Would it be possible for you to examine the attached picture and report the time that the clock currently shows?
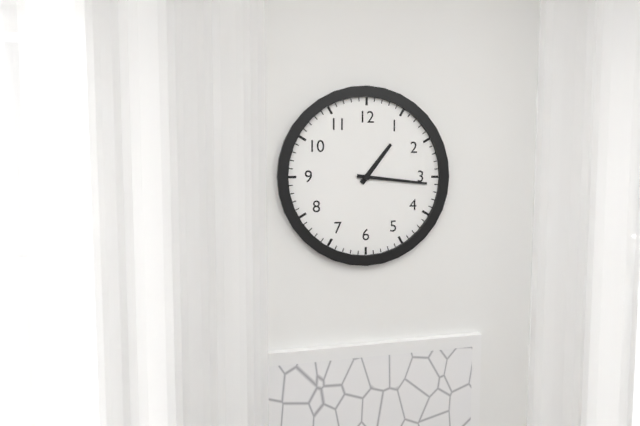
1:16
